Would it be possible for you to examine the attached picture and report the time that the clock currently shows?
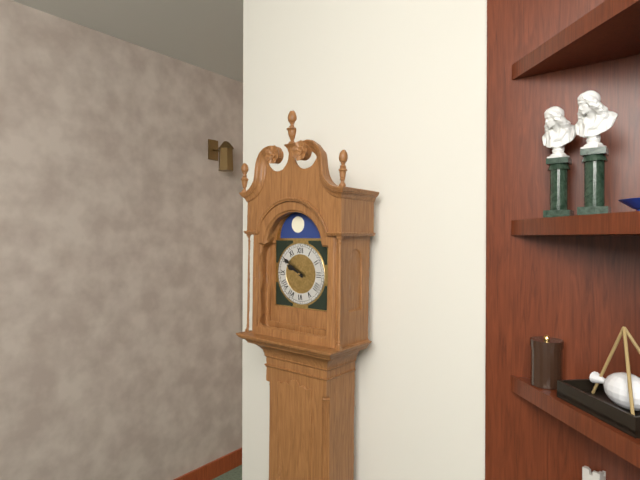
9:51
